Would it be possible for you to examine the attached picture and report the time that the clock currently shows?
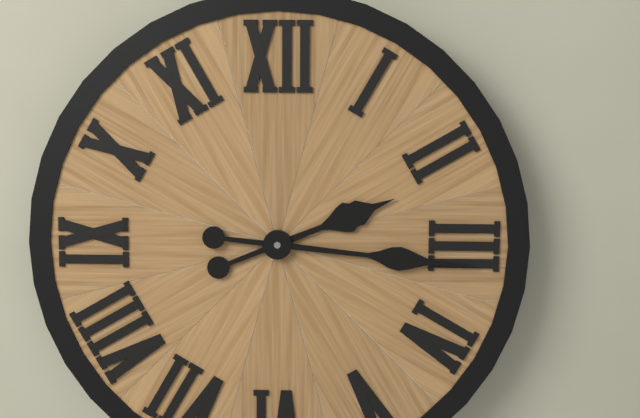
2:16
